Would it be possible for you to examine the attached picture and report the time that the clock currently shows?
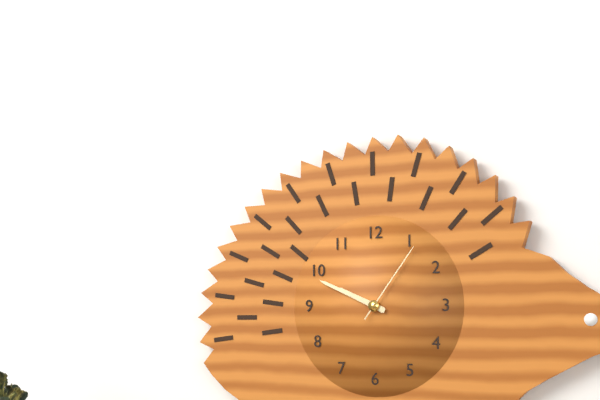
9:49:06
